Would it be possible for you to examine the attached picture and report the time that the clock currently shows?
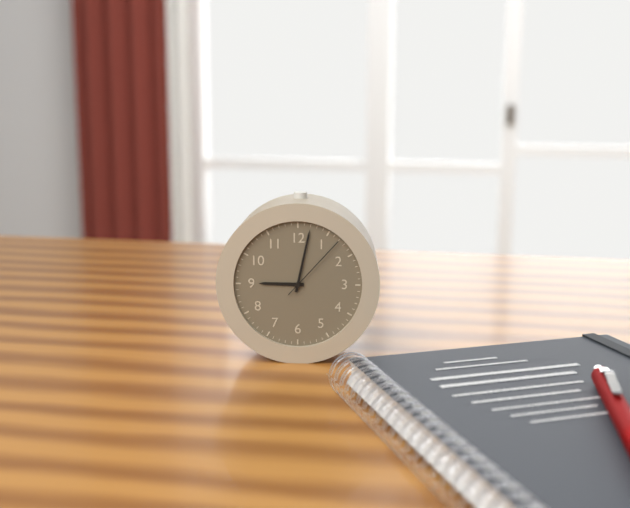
9:02:07
